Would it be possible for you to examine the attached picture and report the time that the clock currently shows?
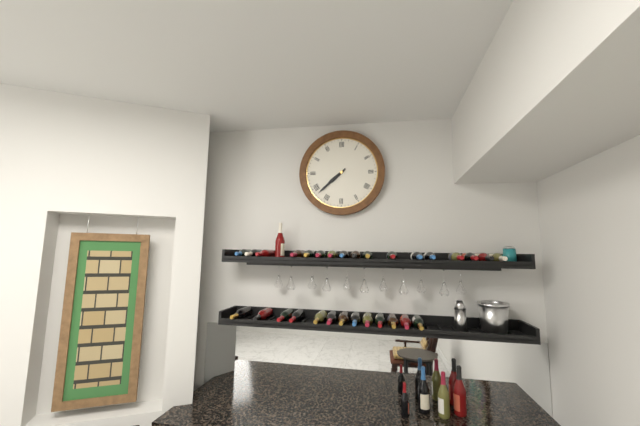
7:38
